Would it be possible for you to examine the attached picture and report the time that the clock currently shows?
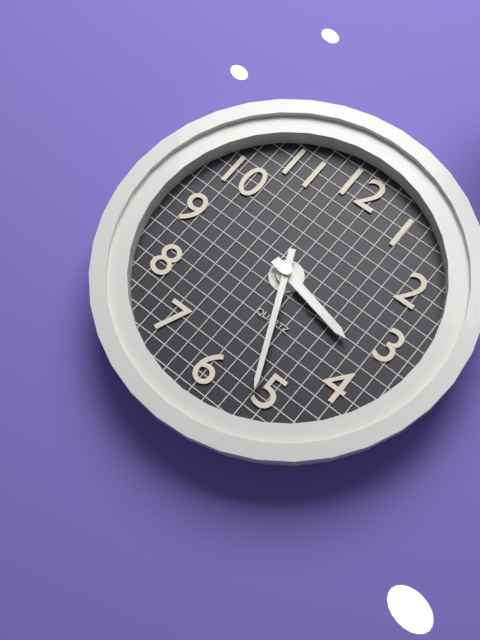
3:26
